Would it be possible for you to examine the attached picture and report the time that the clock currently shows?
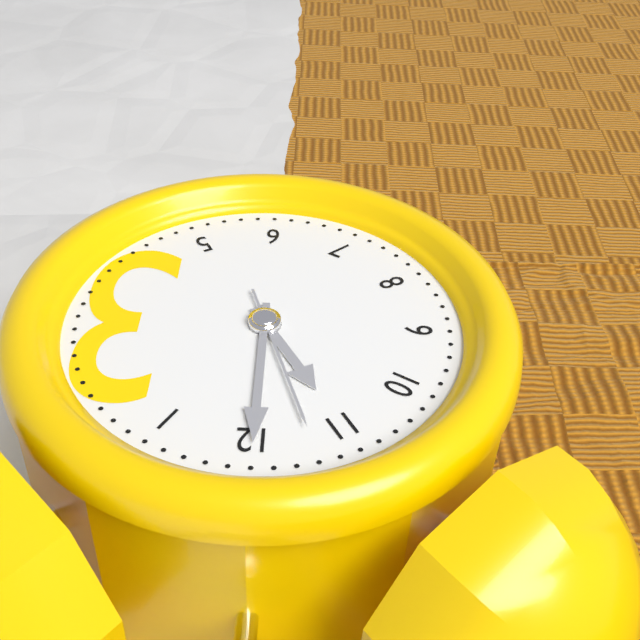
11:00:57
